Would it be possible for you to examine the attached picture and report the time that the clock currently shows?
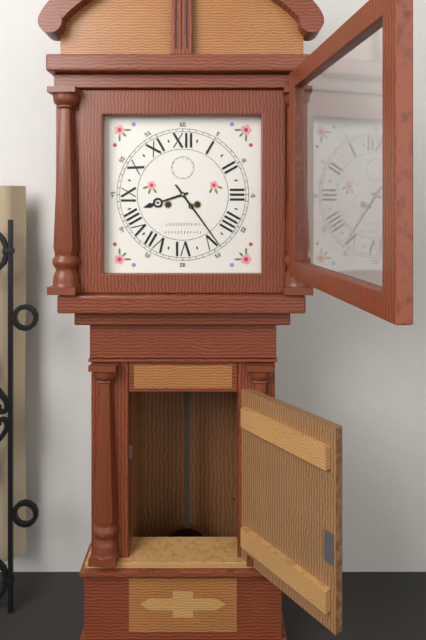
8:24
